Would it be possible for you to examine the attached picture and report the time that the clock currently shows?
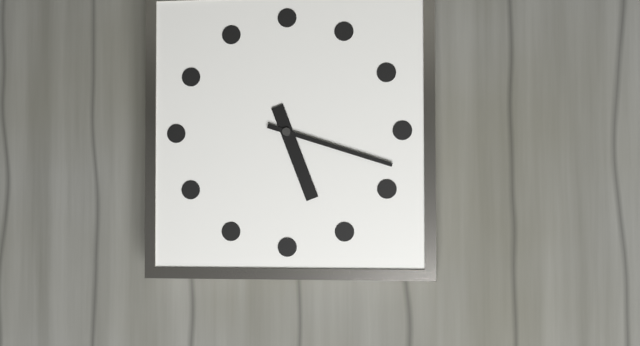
5:18
